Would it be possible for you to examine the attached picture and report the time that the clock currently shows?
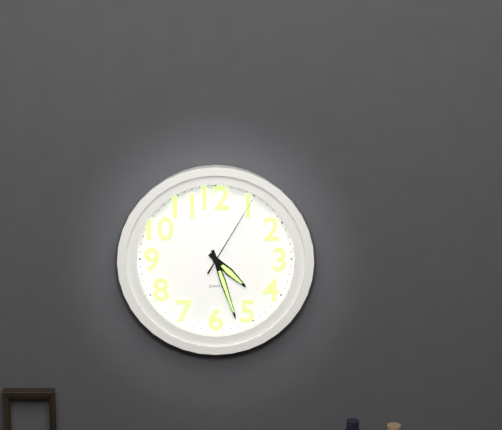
4:27:05
